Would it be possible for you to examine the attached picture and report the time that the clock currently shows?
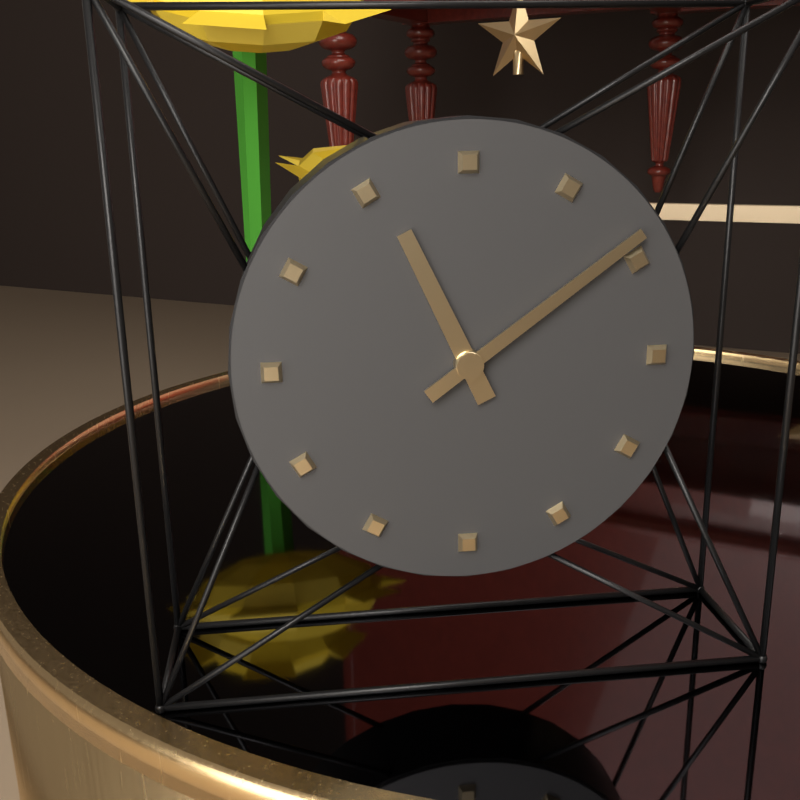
11:09
